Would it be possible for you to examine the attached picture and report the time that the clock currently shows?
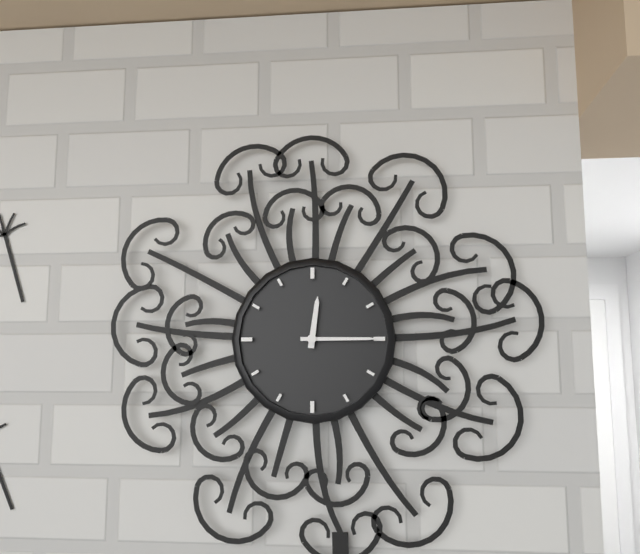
12:15
